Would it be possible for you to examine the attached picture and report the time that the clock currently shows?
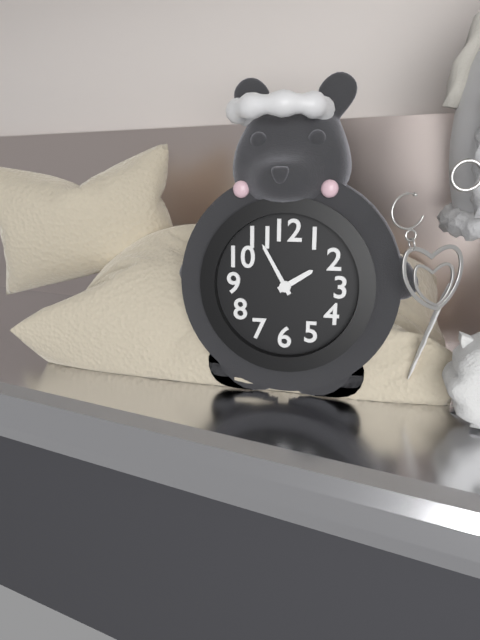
1:55
